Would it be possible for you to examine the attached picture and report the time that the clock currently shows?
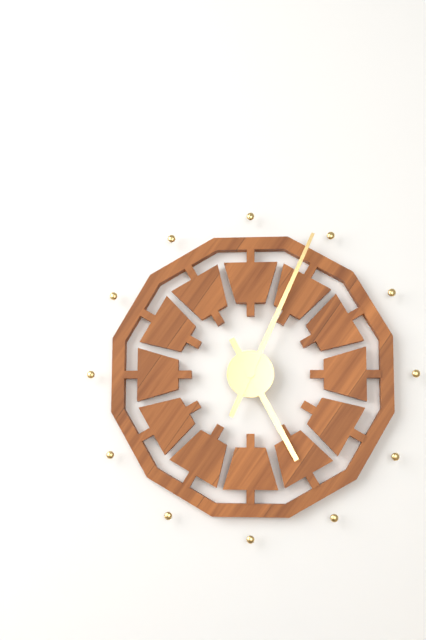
5:04
